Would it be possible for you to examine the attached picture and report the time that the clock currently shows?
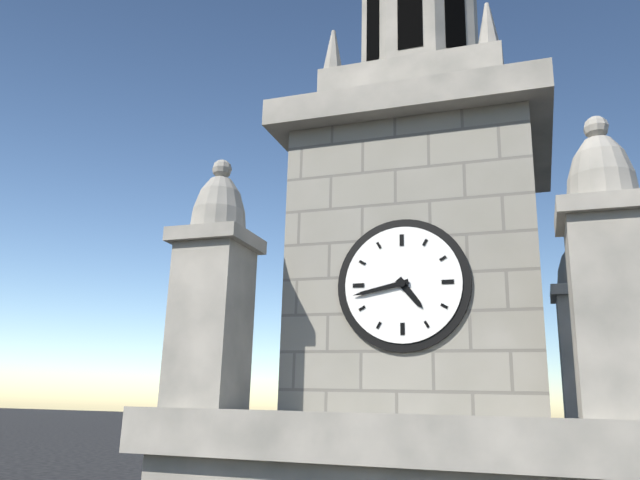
4:43
